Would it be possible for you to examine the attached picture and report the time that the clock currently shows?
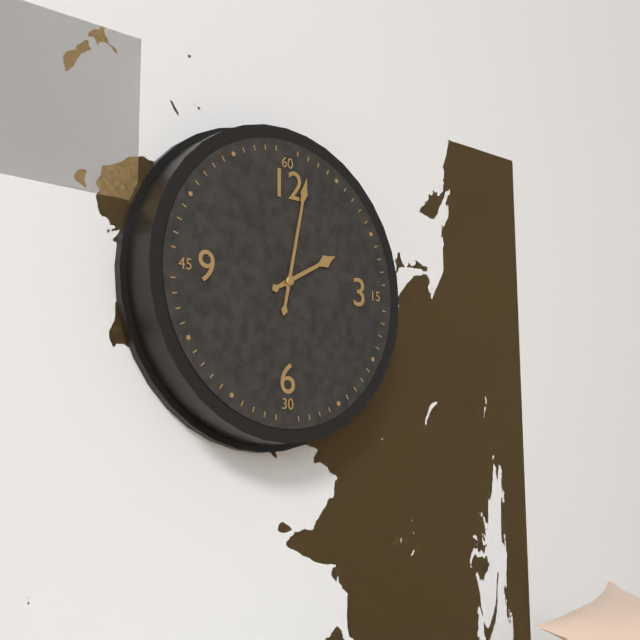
2:02
